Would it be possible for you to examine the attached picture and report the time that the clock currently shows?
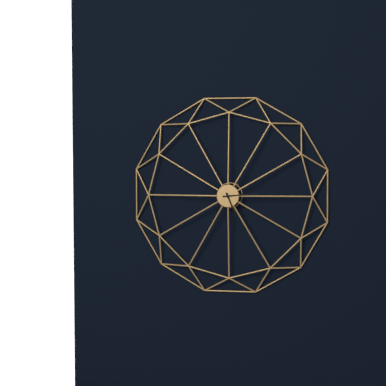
5:14
